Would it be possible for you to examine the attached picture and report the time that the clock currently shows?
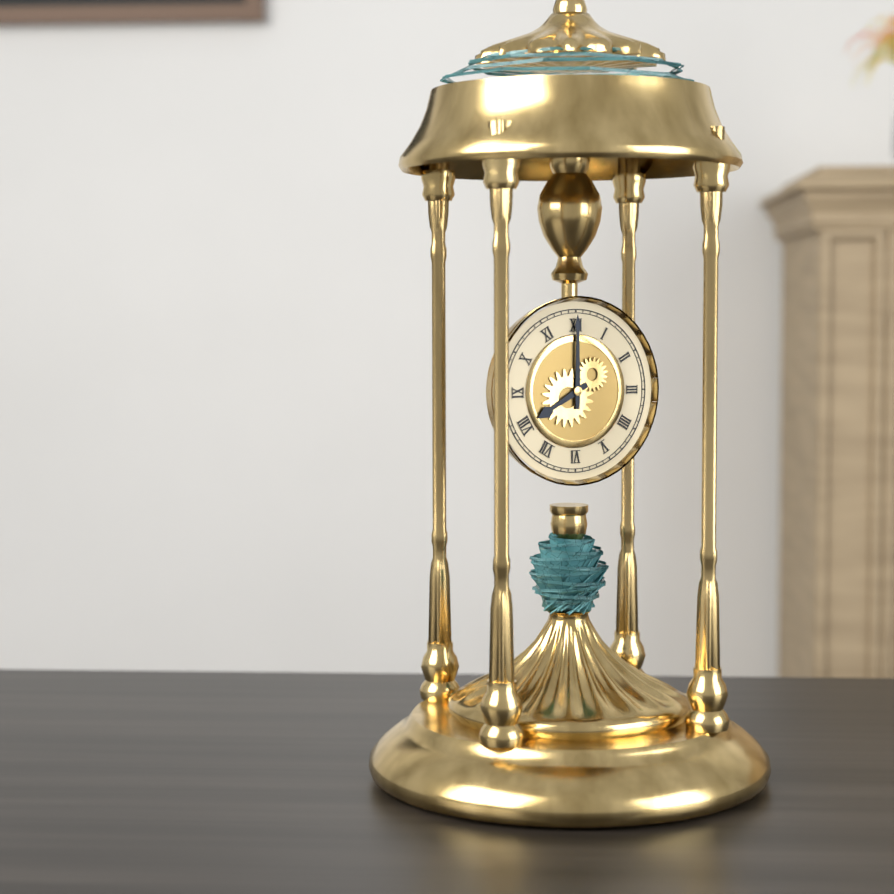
8:00
